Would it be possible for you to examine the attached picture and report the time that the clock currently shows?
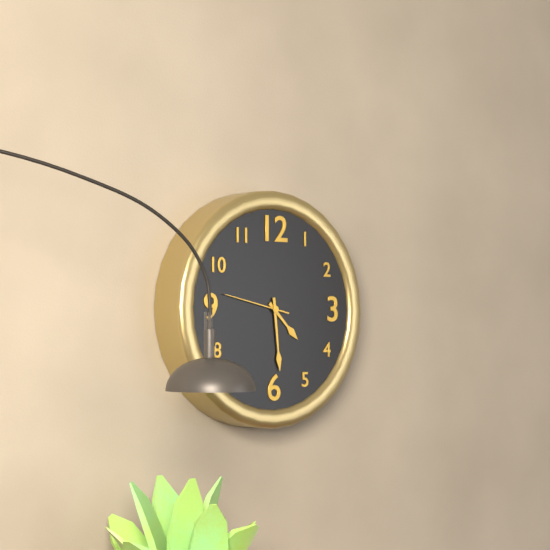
4:29:47
